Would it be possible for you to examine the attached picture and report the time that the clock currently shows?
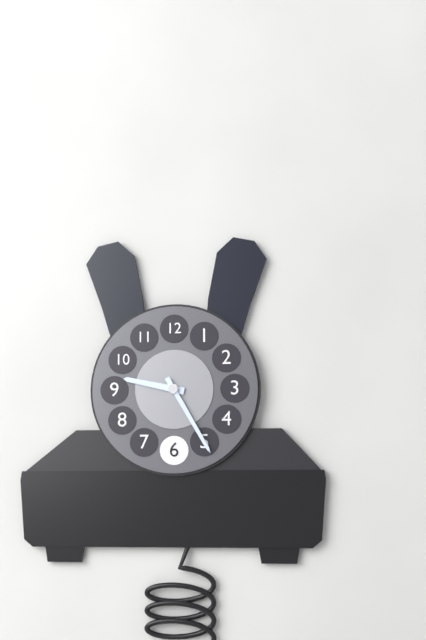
9:25
